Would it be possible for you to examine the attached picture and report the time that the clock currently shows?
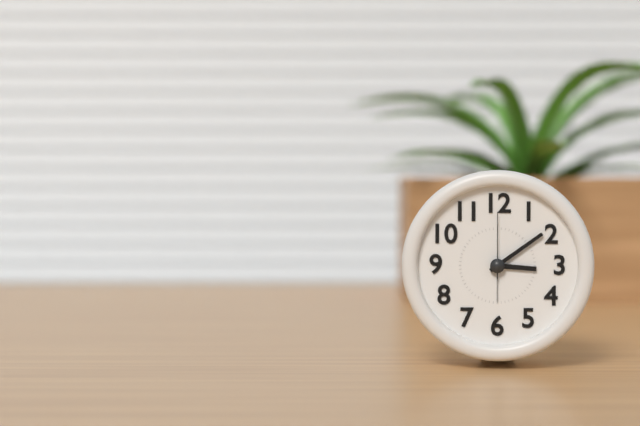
3:09:00
